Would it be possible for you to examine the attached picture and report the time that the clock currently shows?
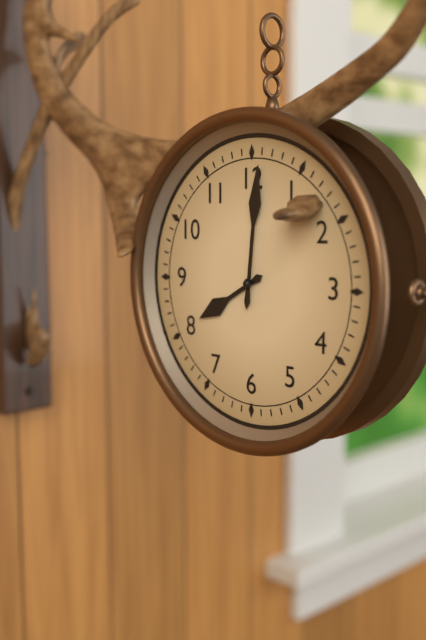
8:01
